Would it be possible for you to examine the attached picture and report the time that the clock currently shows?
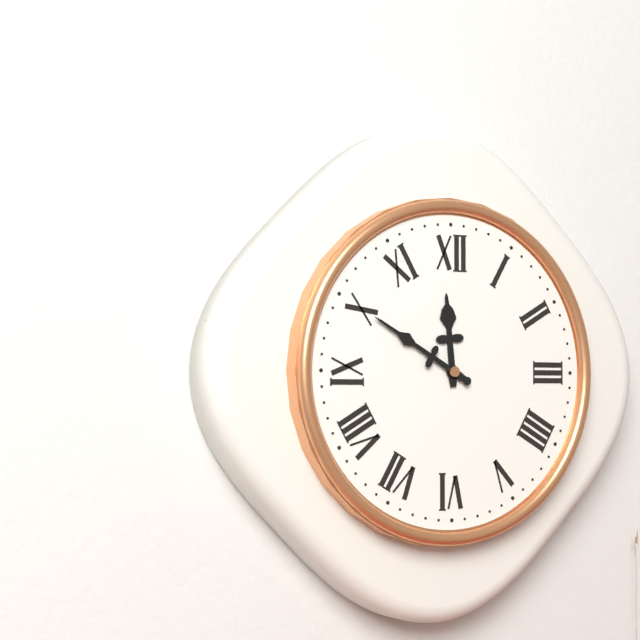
11:50
